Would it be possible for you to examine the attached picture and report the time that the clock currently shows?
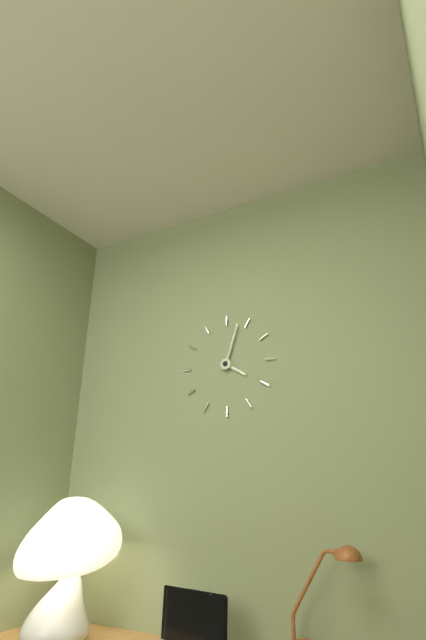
4:03
